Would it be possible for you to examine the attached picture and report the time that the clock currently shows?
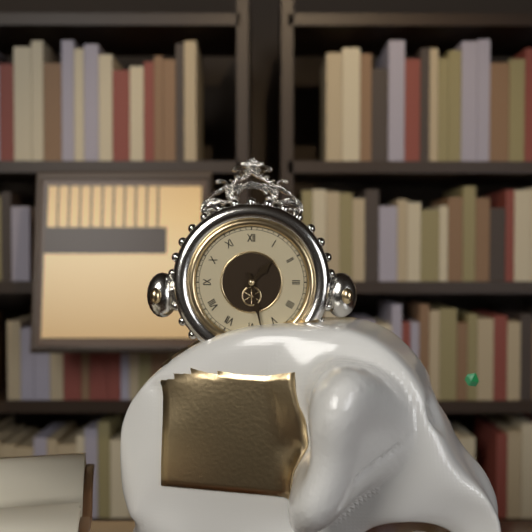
1:28
